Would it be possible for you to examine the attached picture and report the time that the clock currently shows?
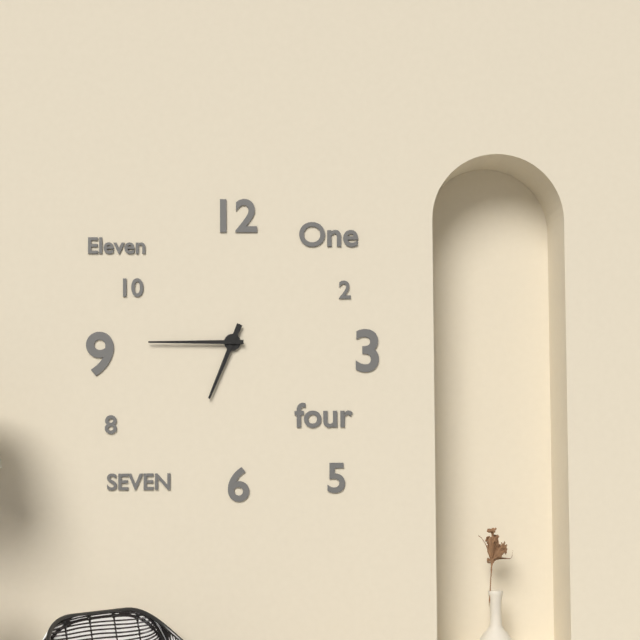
6:45
